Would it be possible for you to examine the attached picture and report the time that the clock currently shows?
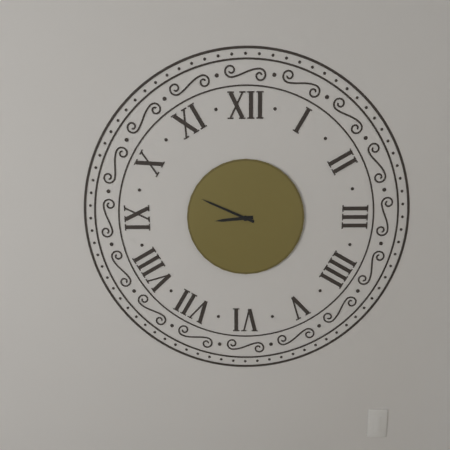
8:49
